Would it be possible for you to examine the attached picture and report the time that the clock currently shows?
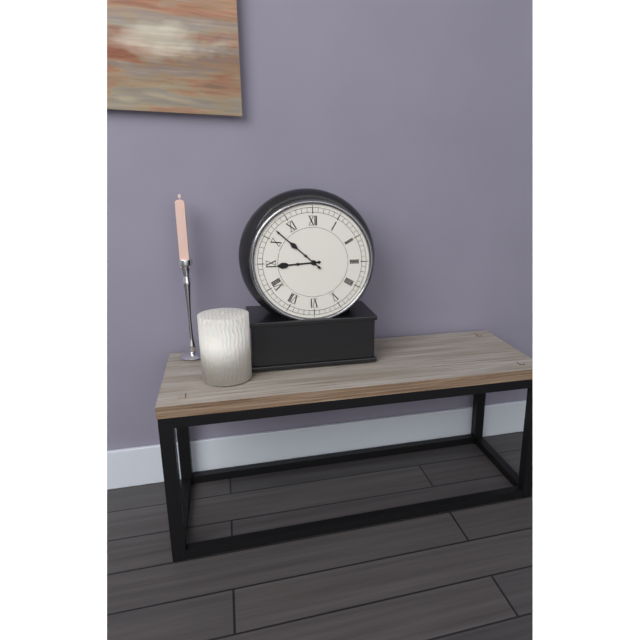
8:52
